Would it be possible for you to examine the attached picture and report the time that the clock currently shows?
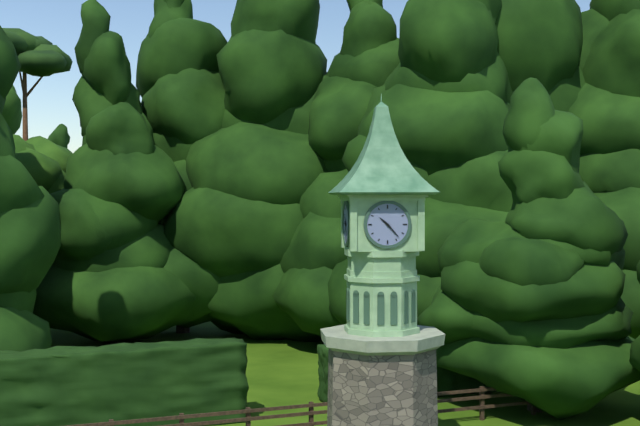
10:23
